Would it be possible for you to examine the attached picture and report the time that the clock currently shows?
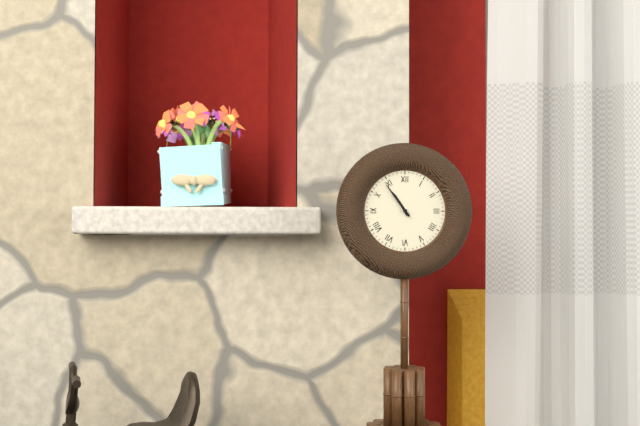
10:54
